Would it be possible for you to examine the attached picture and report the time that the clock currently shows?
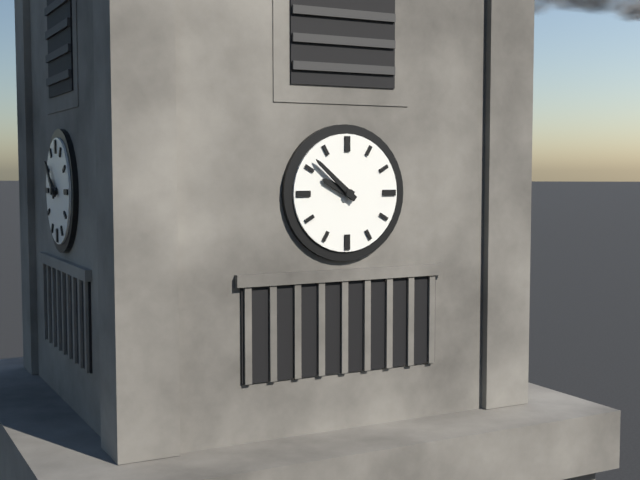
9:52
